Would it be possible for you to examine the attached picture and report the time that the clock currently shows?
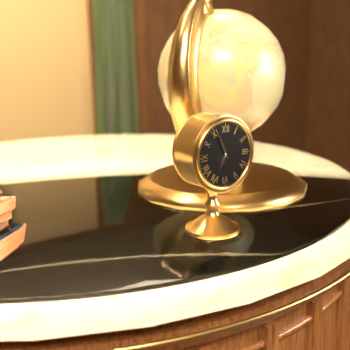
6:56
